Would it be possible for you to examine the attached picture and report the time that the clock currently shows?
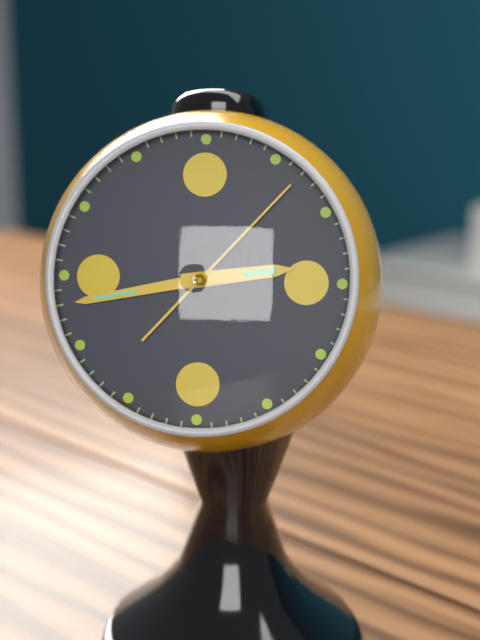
2:43:07
